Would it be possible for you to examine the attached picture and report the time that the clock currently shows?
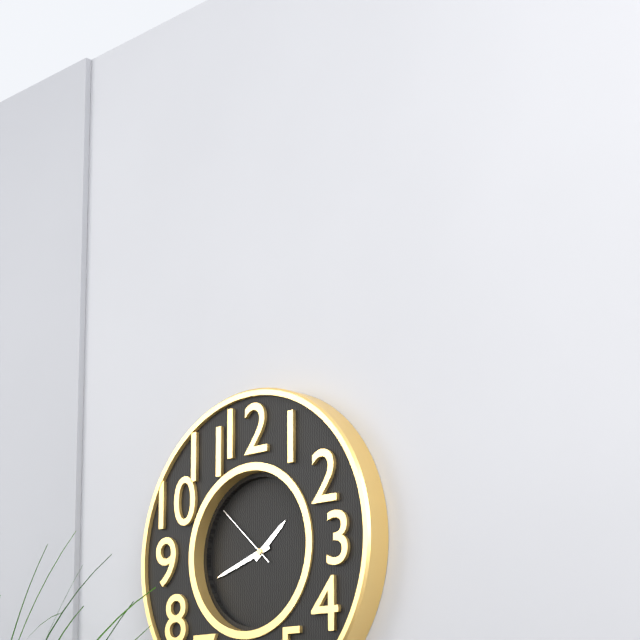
1:42:52
